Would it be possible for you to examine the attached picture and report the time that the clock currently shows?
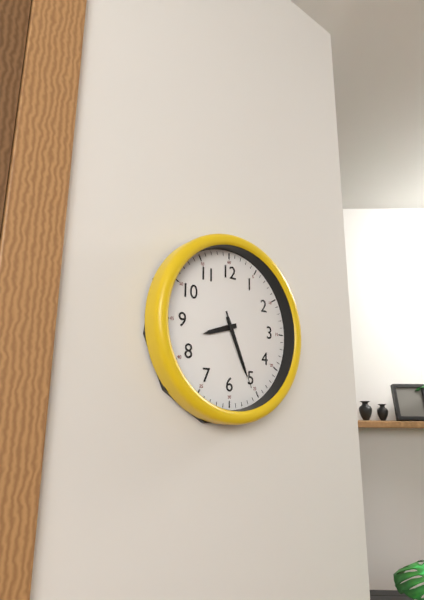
8:26:26
